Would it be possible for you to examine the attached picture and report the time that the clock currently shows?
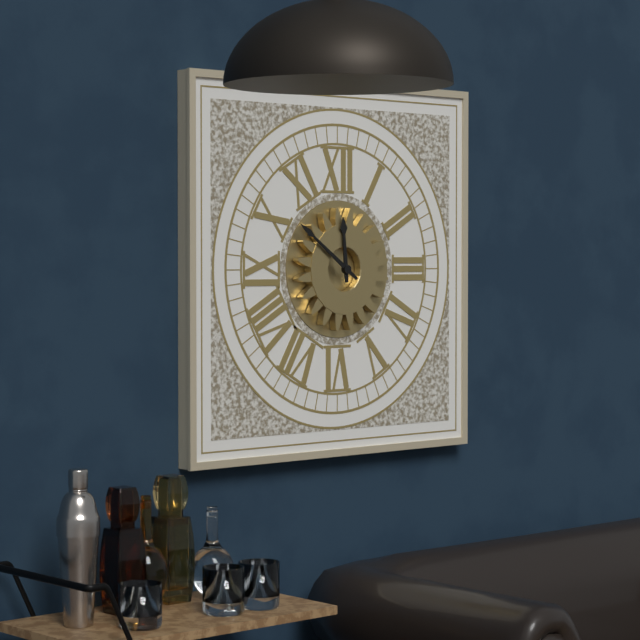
11:51
